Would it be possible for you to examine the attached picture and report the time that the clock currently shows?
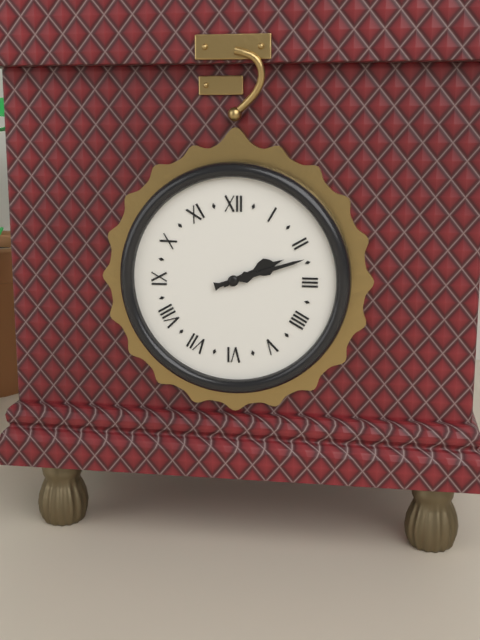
2:12
